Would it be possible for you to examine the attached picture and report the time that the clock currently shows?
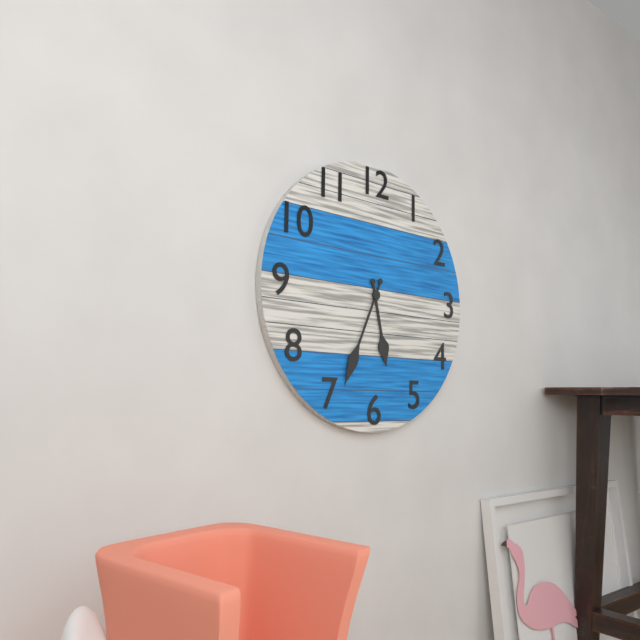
5:34
